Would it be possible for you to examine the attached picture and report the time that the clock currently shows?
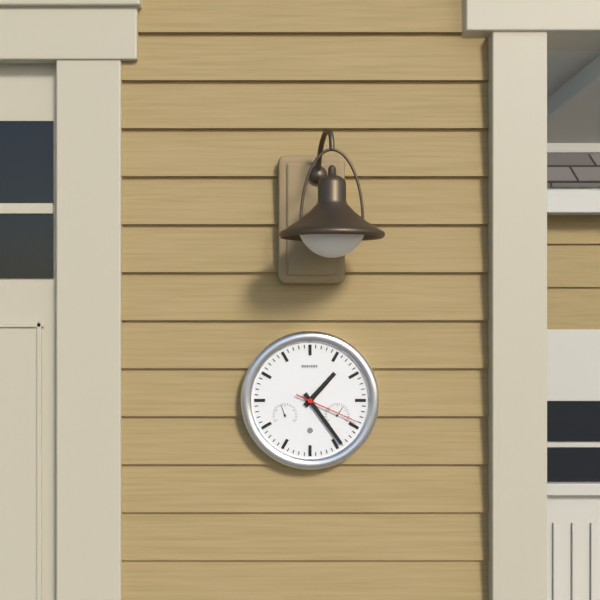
1:24:19
